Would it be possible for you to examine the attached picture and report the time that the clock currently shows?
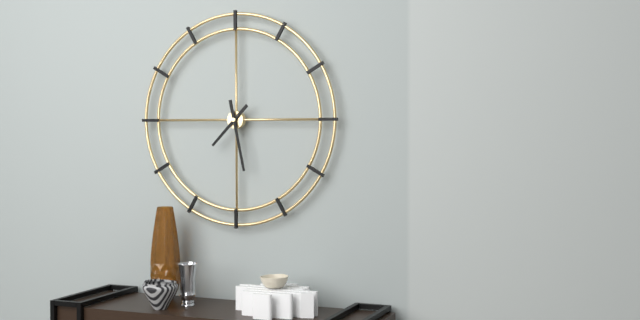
7:28
